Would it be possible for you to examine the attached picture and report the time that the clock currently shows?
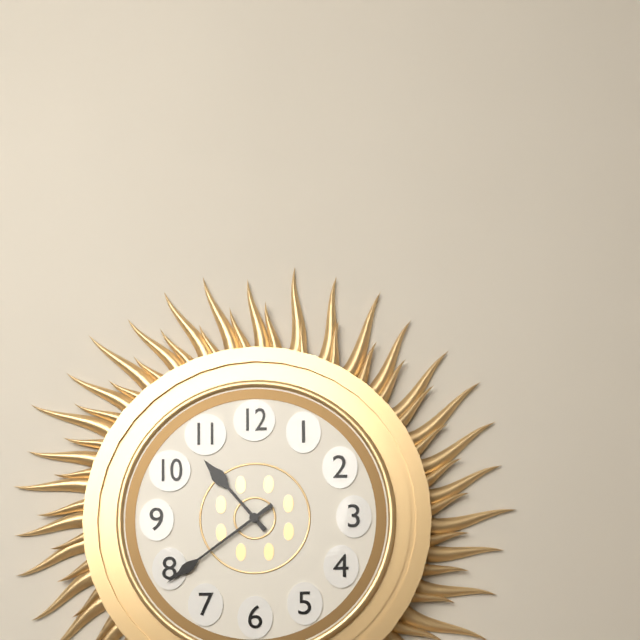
10:39
